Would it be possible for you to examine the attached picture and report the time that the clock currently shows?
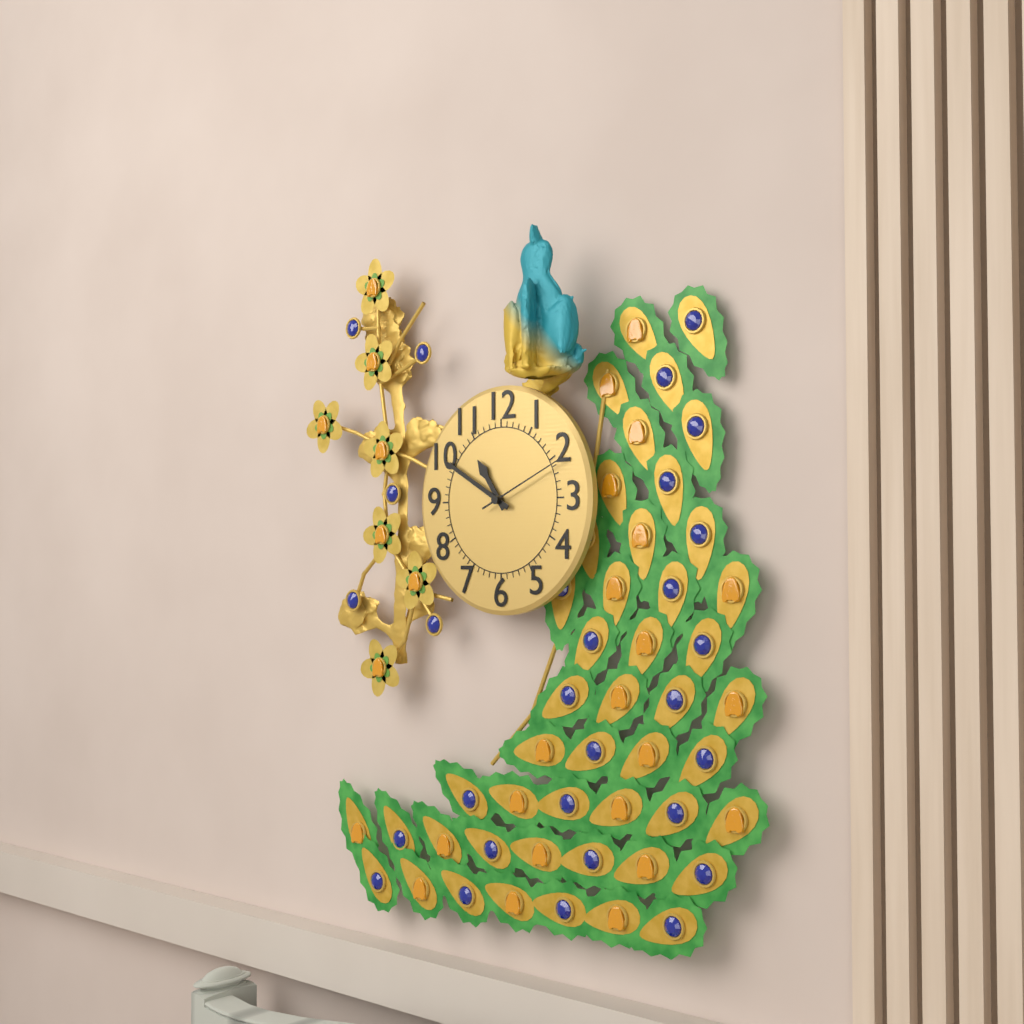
10:50:11
